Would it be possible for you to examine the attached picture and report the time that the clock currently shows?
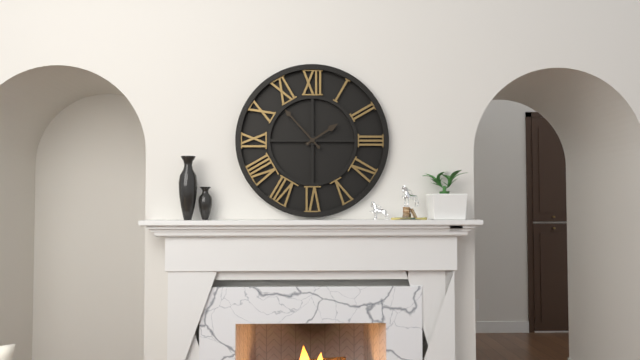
1:53
